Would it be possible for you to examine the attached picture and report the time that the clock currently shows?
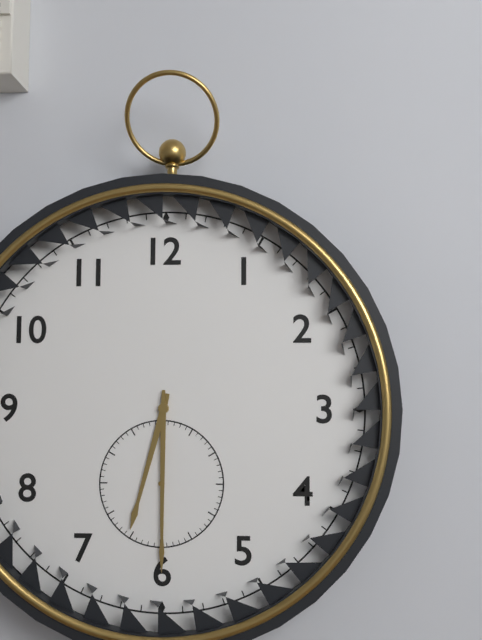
6:30:30
